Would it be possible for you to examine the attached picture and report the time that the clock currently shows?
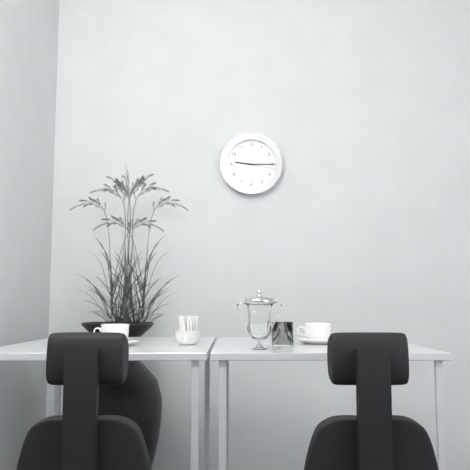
9:15
